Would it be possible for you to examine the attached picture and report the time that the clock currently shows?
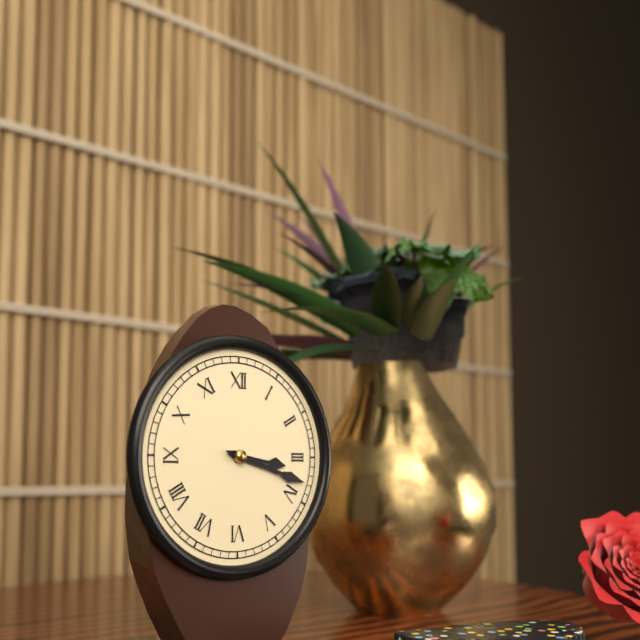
3:18
